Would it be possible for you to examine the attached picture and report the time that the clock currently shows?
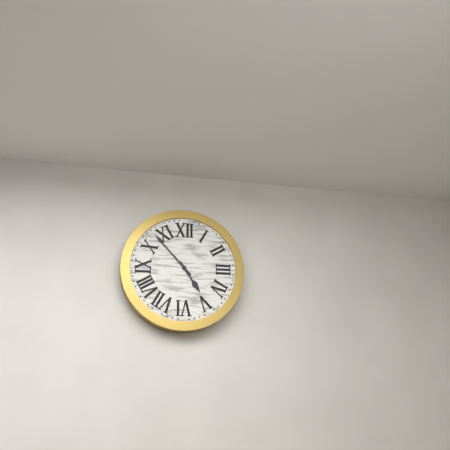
4:53
